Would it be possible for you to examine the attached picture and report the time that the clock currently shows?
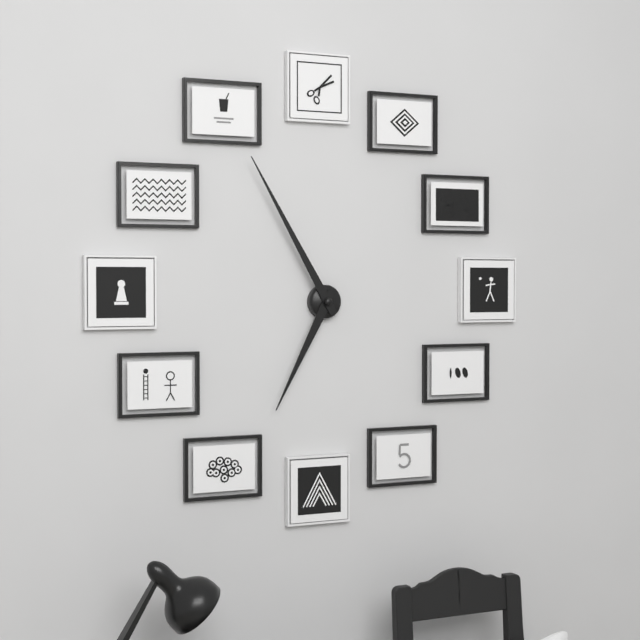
6:55
